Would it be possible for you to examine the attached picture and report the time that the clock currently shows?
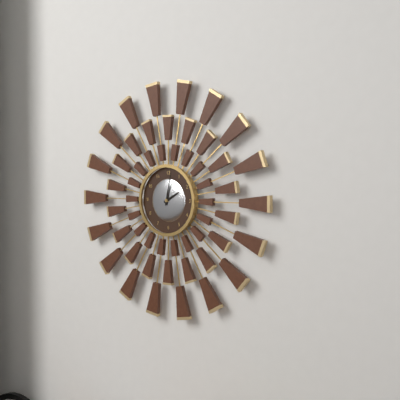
2:02
